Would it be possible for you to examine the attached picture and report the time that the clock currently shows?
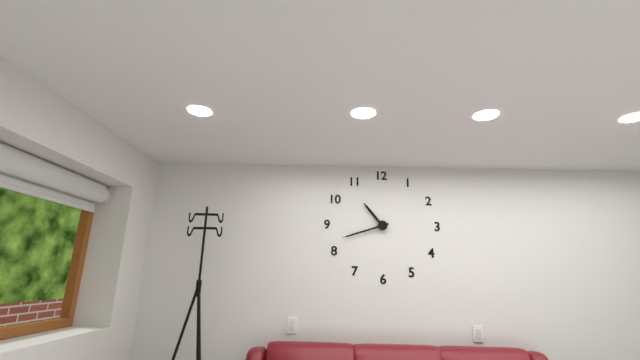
10:42
